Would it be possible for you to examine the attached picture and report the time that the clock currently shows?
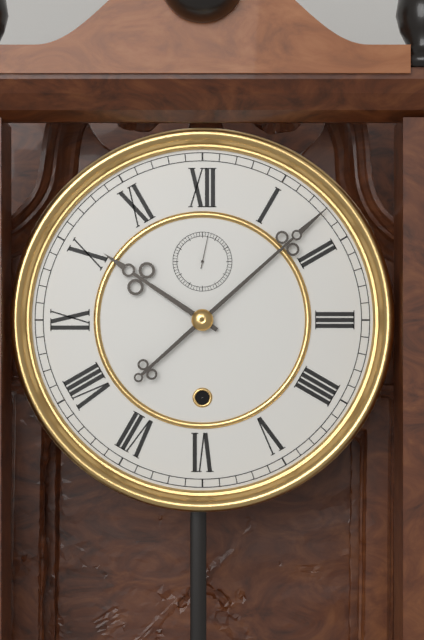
10:08
